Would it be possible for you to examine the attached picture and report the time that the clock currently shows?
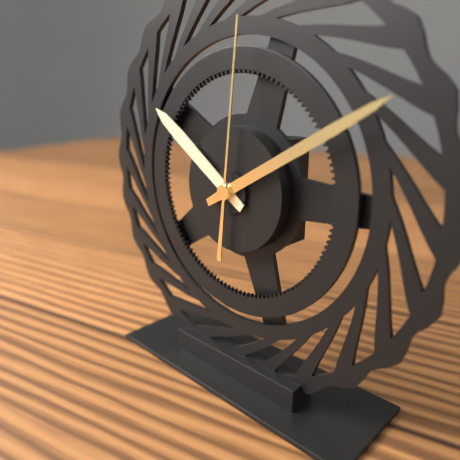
10:10:01
